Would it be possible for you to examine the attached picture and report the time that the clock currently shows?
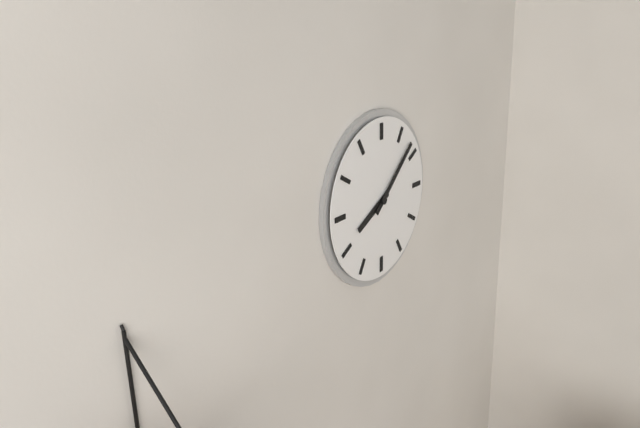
8:08
